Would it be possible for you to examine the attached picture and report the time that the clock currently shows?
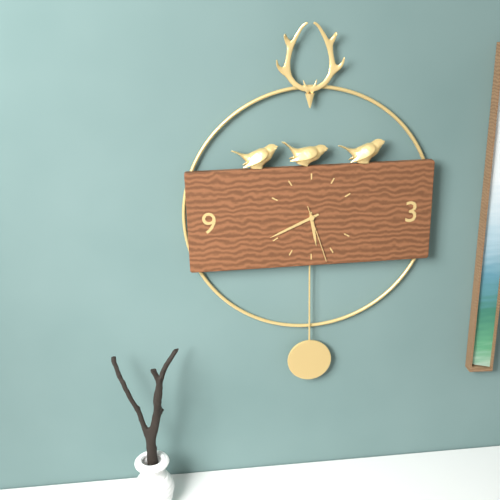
5:41:27
